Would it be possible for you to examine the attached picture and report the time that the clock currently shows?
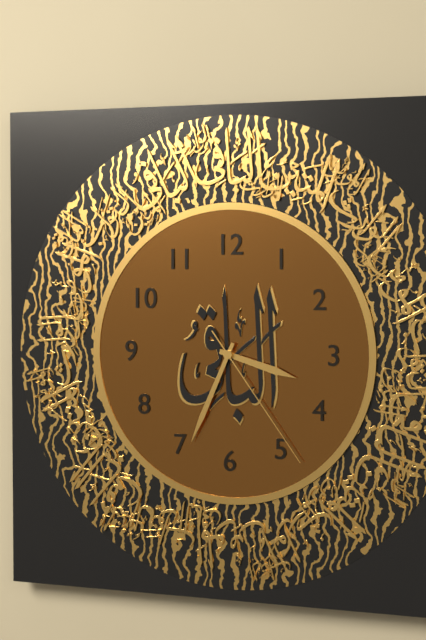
3:34:24
